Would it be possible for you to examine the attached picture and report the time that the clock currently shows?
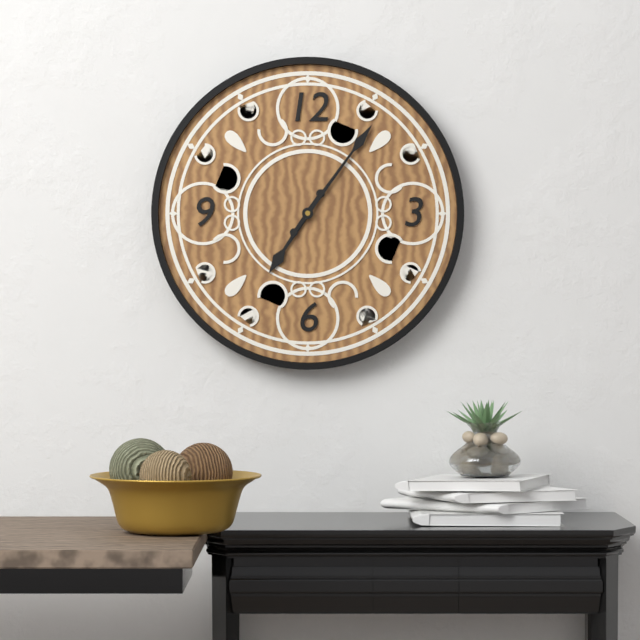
7:06
